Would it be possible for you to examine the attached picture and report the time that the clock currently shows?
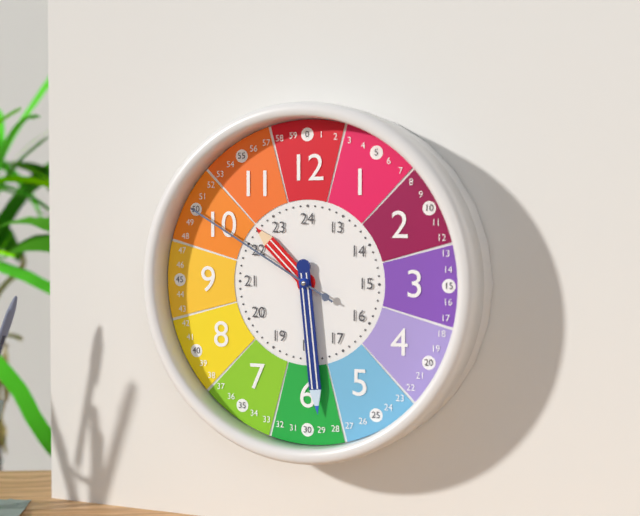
10:29:50
